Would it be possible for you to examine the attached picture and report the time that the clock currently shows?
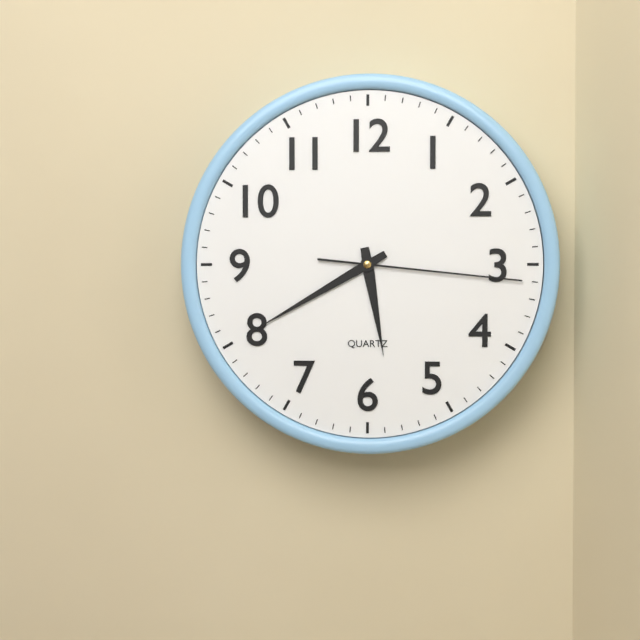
5:40:16
